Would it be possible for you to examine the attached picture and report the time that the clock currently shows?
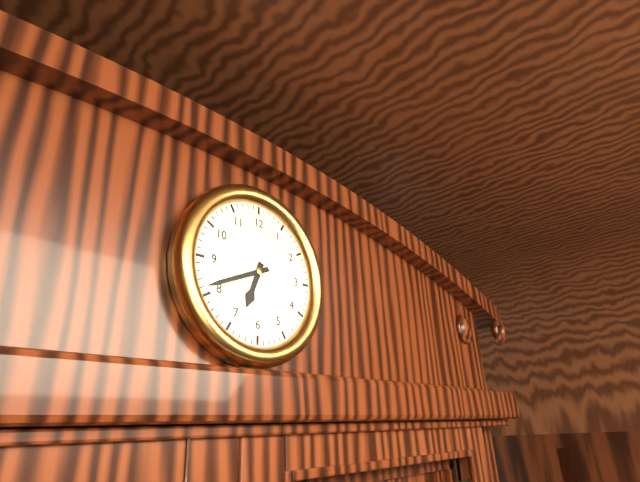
6:41
